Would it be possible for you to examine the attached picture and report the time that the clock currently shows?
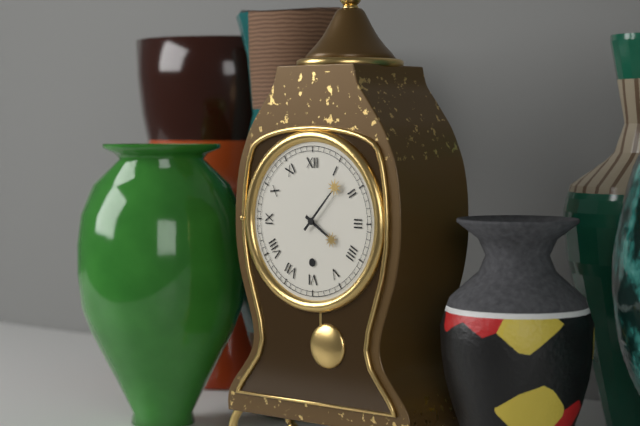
4:07
